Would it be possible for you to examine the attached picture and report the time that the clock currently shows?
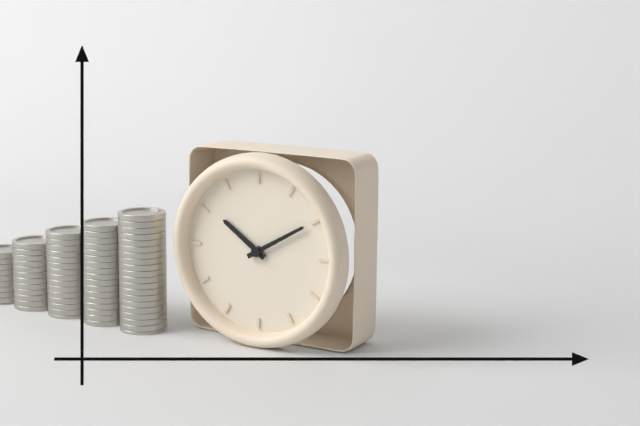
10:10
